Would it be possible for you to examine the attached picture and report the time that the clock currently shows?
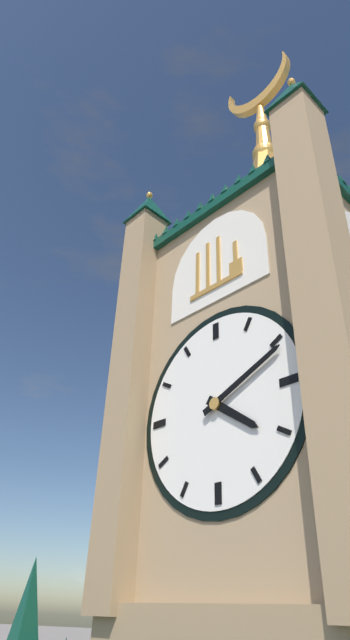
4:11
